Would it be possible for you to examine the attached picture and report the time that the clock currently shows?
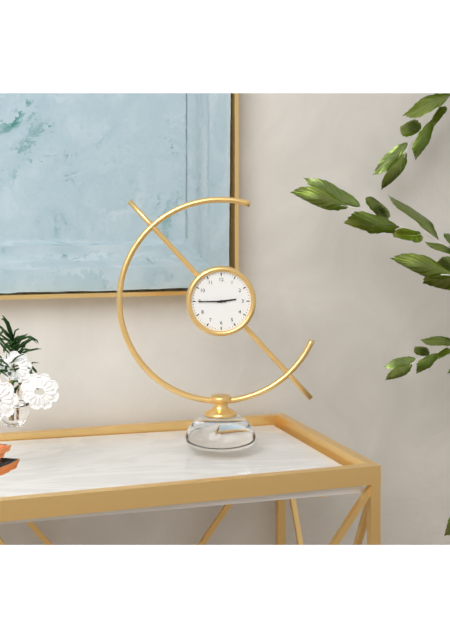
2:45
